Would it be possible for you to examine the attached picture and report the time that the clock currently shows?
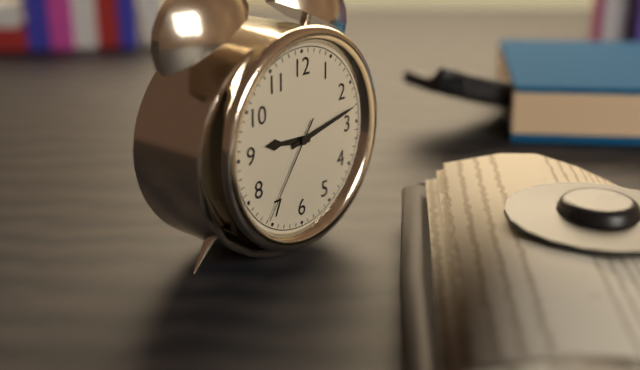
9:13:36
